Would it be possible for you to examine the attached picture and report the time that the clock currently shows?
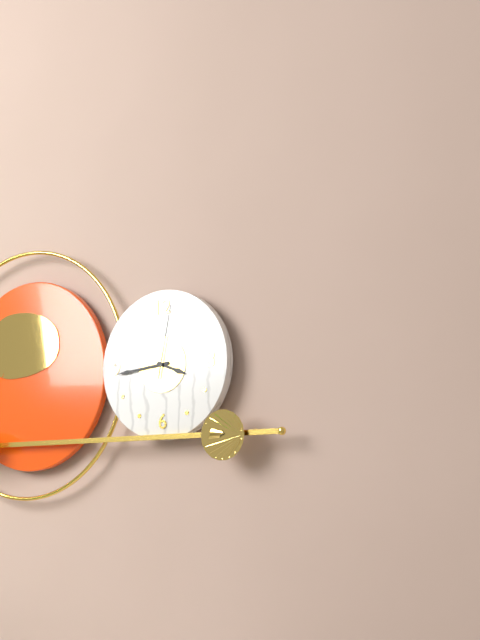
3:44:02
